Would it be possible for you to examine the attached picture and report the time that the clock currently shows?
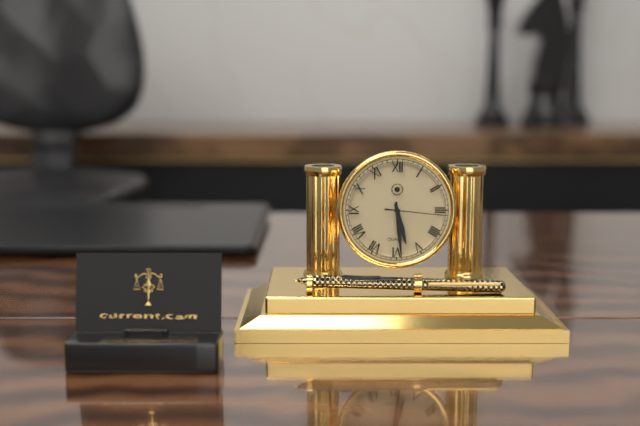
5:29:16
